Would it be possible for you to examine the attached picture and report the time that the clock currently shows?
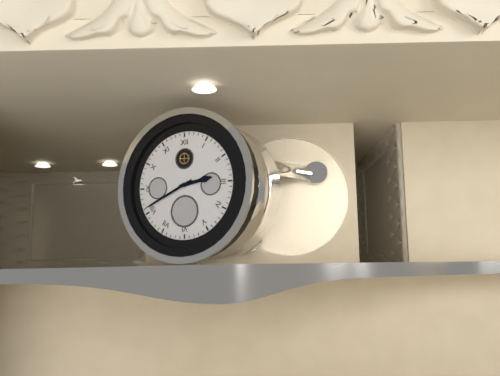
2:41
